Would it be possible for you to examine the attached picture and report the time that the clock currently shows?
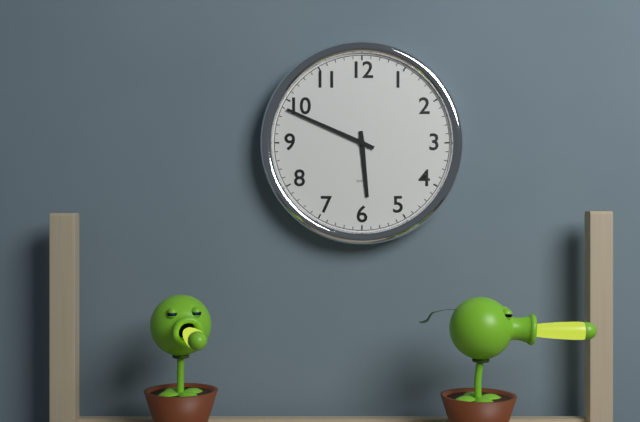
5:49
